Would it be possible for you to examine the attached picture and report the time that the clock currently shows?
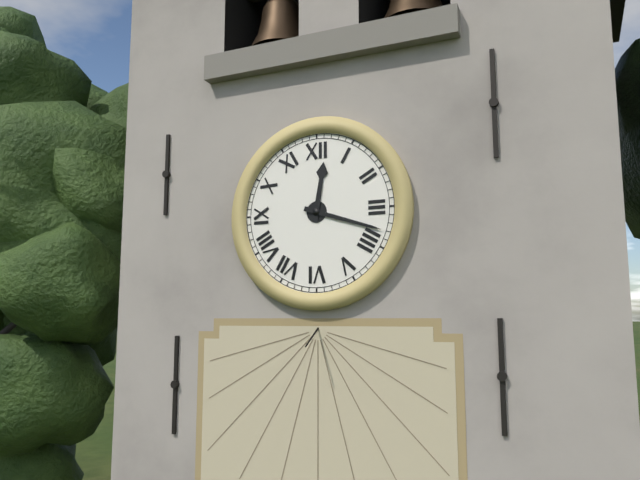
12:18
